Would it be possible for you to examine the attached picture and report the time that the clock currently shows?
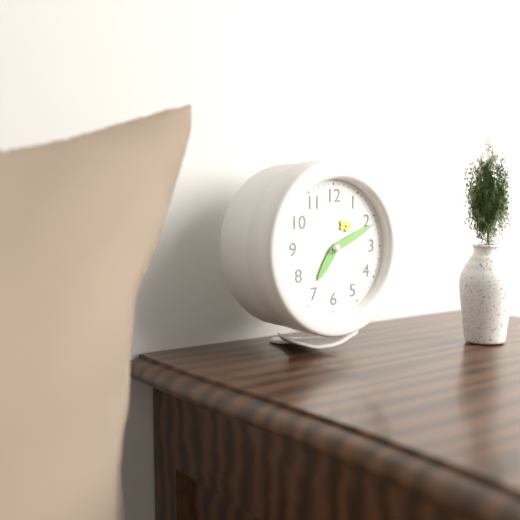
7:11
